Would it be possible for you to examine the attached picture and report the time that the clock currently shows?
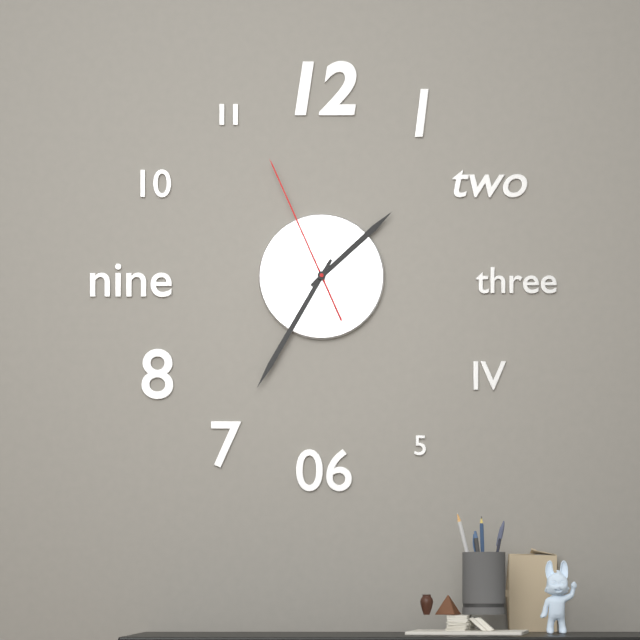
1:35:56
